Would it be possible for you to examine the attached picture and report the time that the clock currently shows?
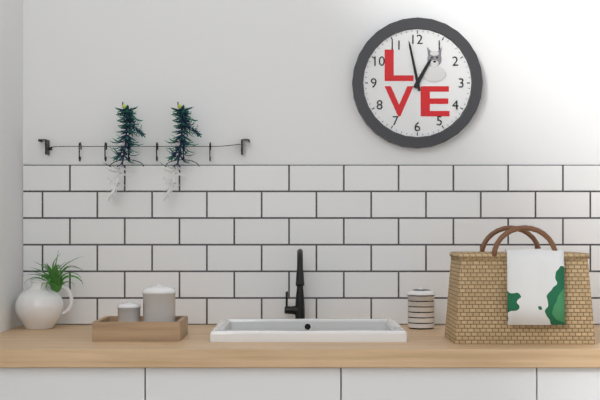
12:58
